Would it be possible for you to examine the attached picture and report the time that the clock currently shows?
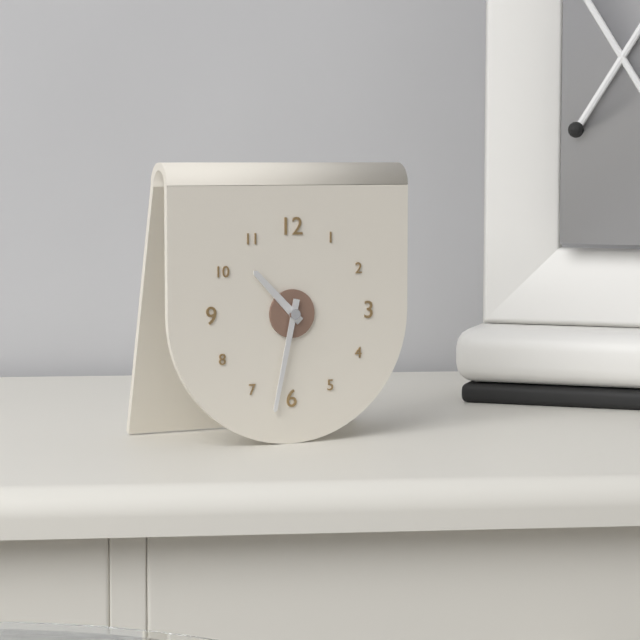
10:32
